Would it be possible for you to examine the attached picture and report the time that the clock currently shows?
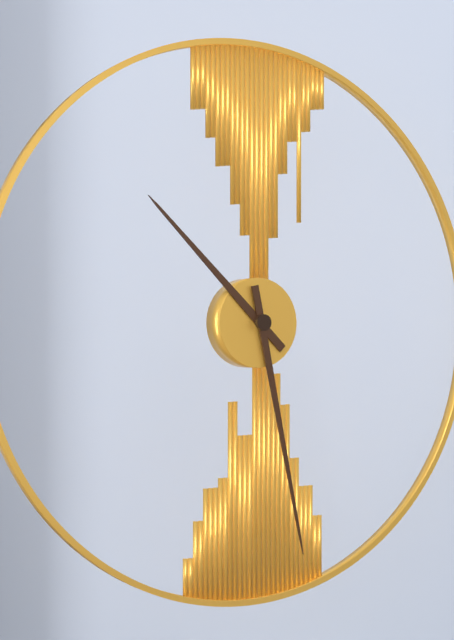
10:28
